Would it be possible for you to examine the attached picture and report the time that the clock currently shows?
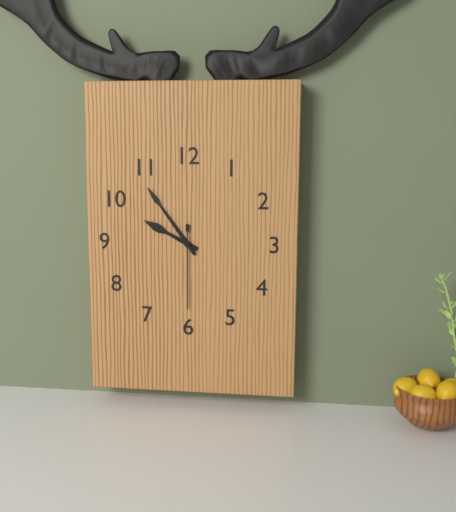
9:54:30
